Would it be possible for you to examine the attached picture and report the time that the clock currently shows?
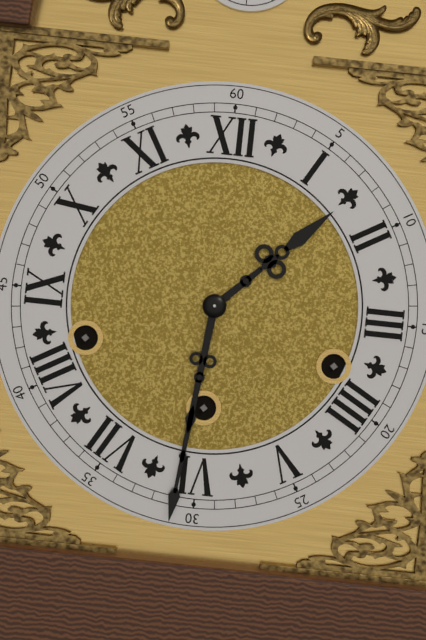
1:31
